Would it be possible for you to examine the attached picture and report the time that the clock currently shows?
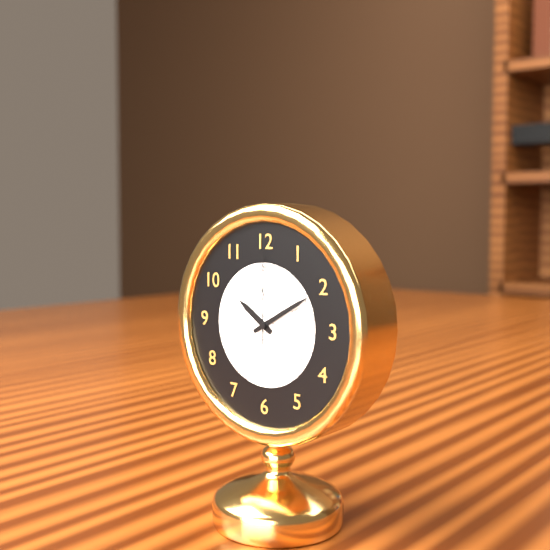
10:10:00
